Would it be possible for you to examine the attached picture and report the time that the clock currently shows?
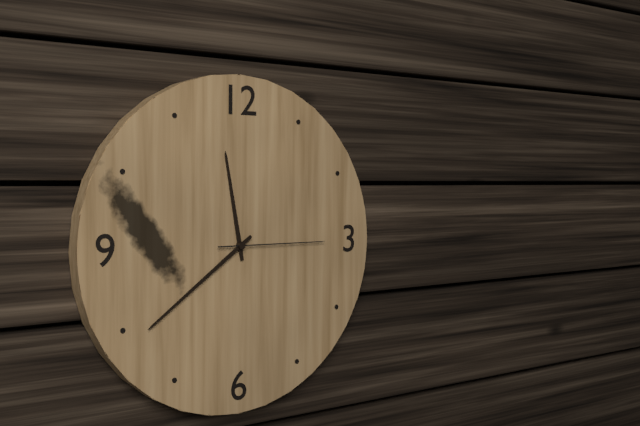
11:39:15
